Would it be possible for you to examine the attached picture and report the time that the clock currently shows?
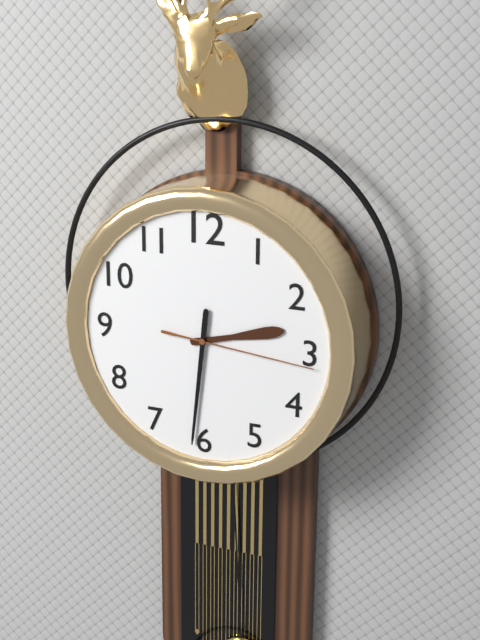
2:31:16
